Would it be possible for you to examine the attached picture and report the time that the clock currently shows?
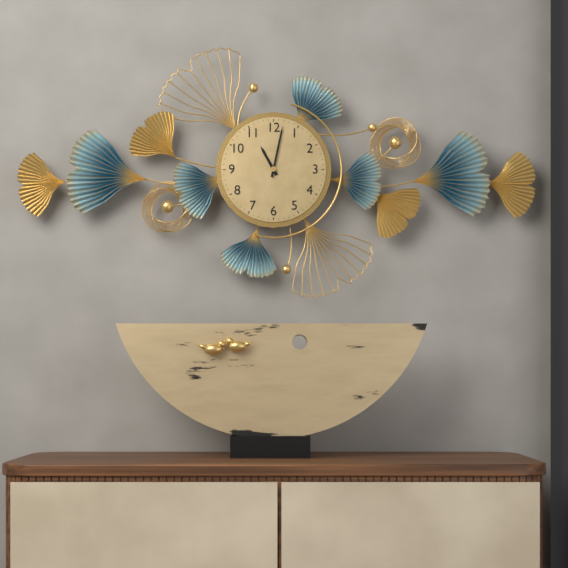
11:02
